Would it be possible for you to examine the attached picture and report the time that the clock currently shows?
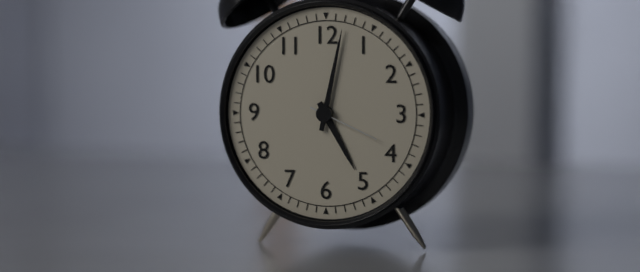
5:02:19
